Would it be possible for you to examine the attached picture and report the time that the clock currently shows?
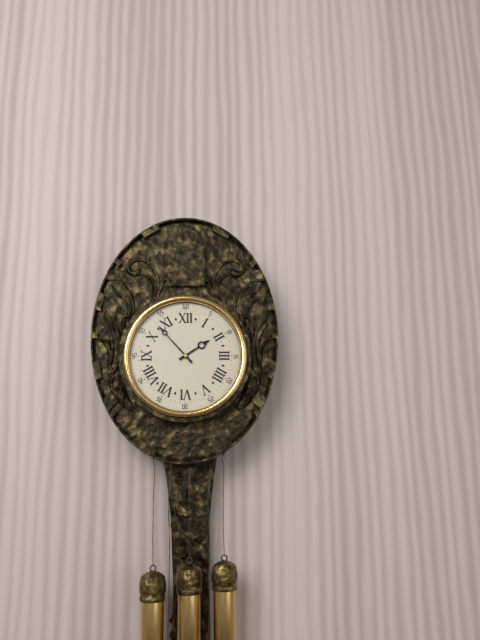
1:53
